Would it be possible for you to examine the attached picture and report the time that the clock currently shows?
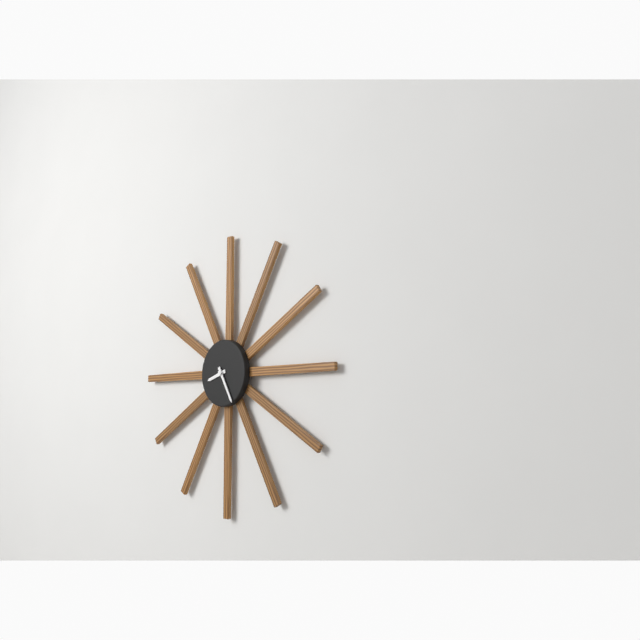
8:25
